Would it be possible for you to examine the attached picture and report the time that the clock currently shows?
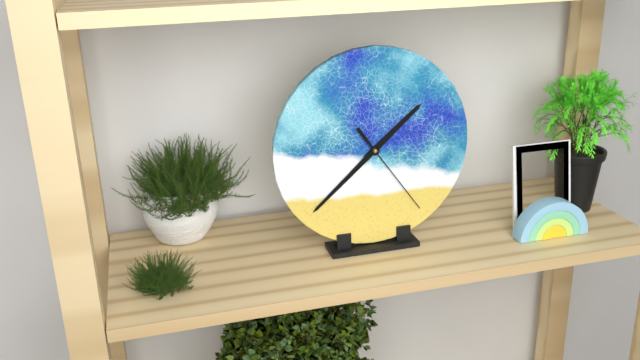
1:38:24
